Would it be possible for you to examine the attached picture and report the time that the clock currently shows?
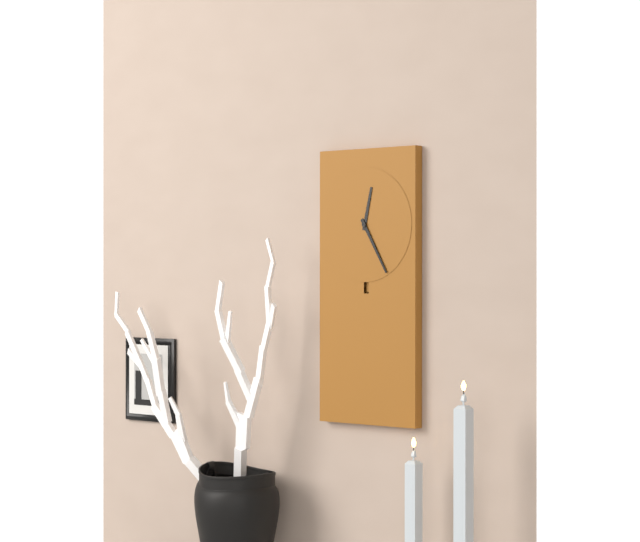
12:25
